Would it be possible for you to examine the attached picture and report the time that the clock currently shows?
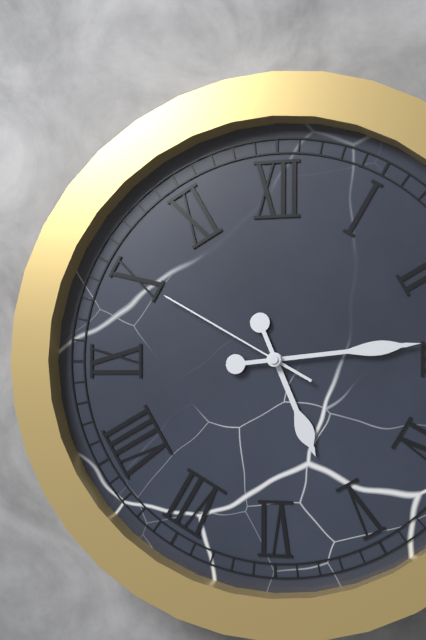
5:14:50
